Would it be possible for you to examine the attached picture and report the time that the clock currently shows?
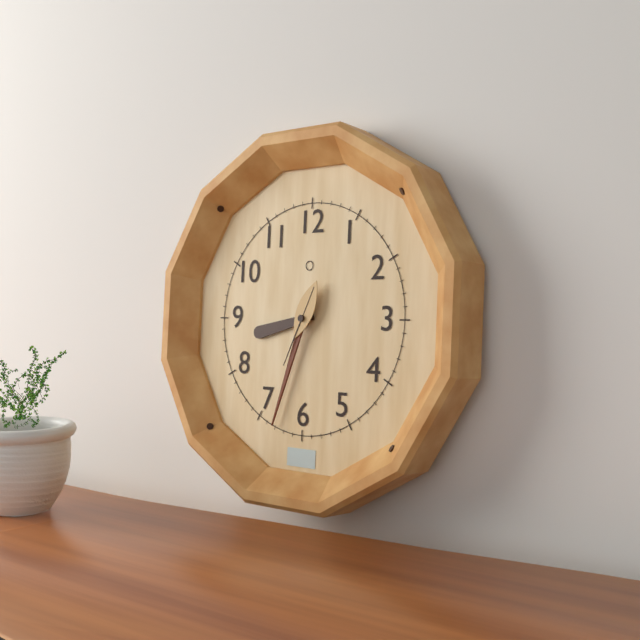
8:33:34
